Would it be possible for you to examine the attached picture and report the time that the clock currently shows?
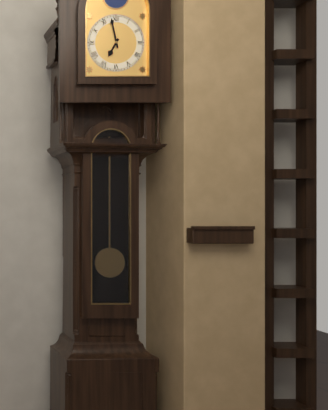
6:58
